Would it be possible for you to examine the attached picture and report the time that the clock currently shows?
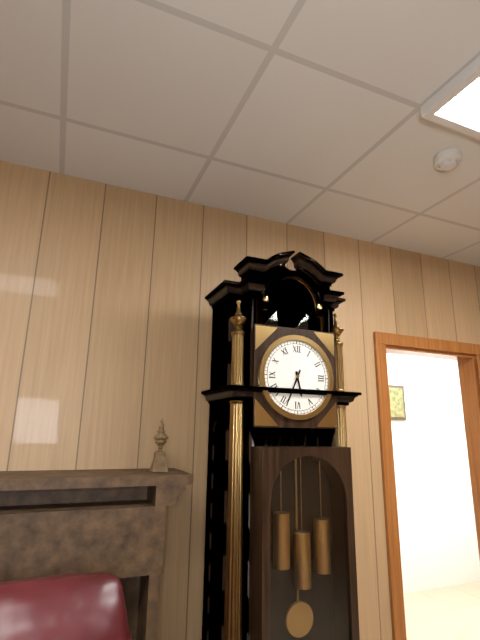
5:34
